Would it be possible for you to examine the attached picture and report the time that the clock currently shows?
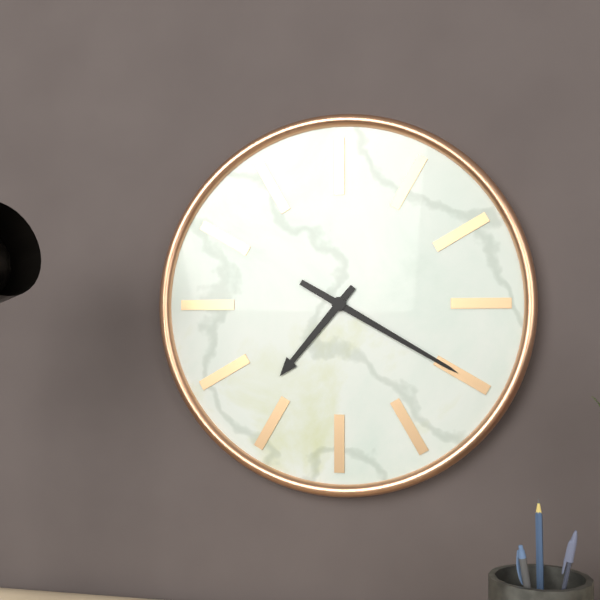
7:20
